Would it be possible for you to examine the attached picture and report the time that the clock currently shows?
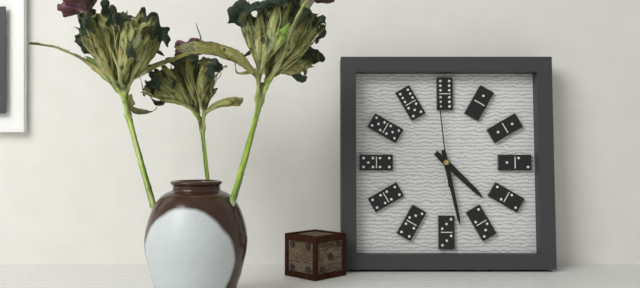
4:28:59
